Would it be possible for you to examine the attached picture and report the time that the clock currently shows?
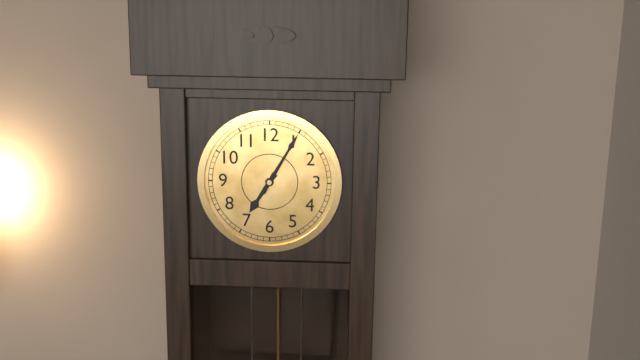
7:05
